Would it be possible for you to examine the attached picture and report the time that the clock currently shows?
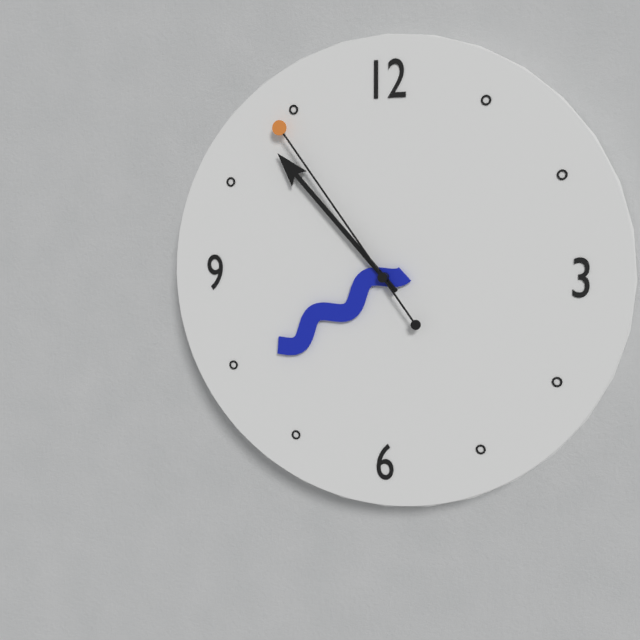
7:53:54
